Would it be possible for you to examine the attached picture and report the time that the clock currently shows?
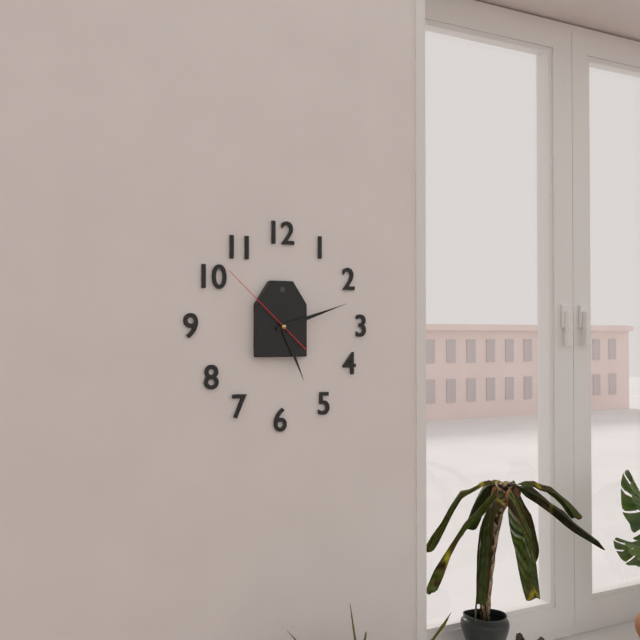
5:12:52
